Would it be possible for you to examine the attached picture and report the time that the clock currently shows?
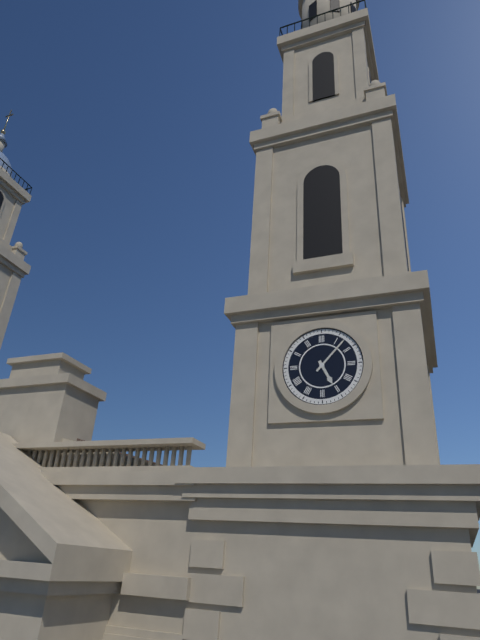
5:07
